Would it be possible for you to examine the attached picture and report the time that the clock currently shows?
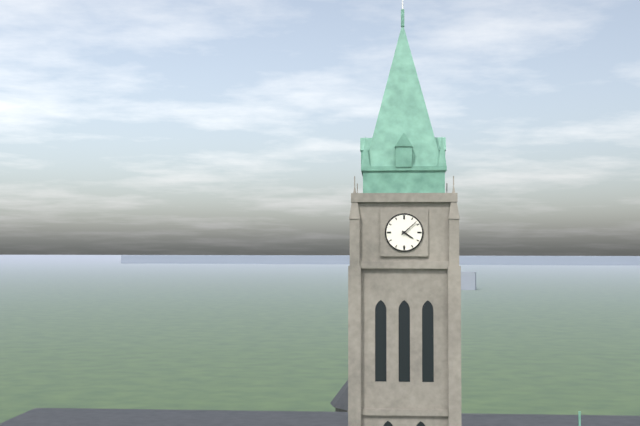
4:08
